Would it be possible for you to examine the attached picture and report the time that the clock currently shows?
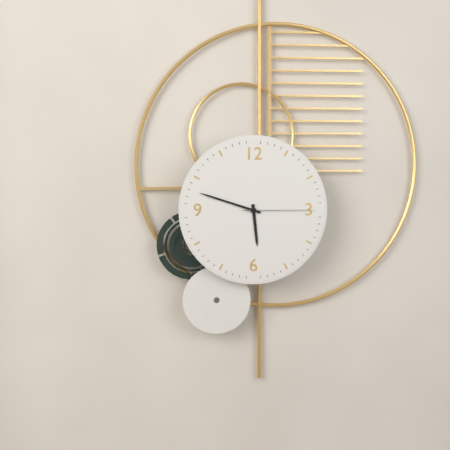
5:48:15
